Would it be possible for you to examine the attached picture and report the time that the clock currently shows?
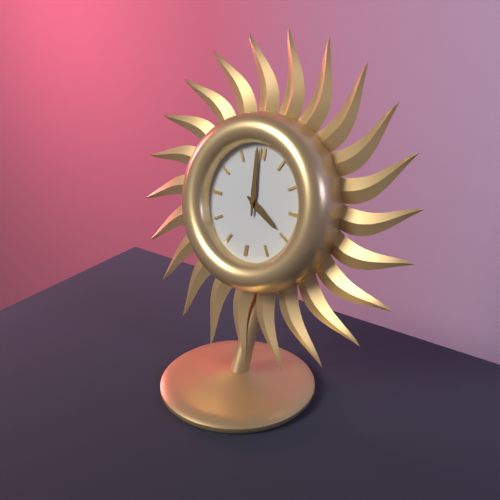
3:59
